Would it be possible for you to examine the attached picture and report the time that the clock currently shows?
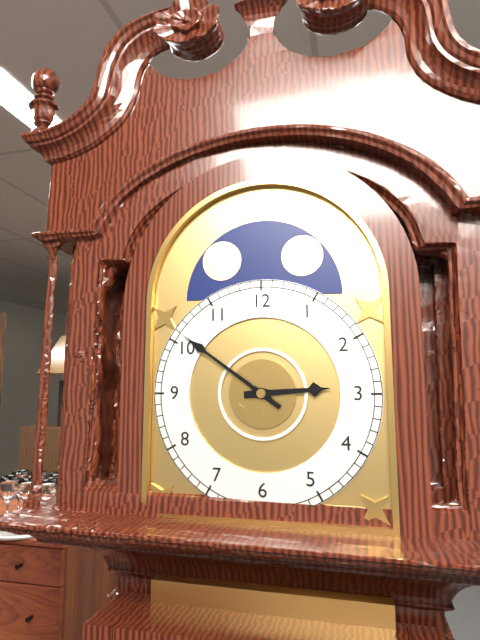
2:51
